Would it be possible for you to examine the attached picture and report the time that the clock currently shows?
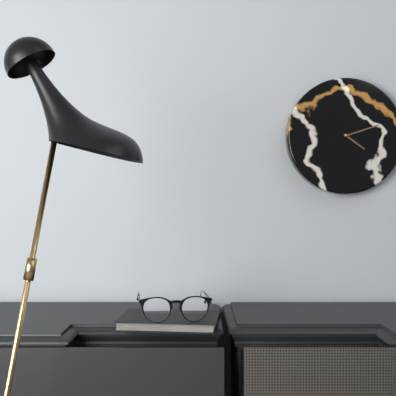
4:12
